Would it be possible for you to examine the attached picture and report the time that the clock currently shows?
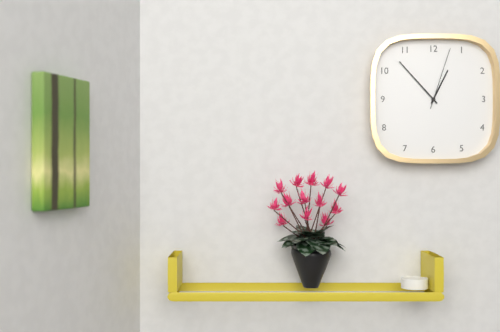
12:53:03
